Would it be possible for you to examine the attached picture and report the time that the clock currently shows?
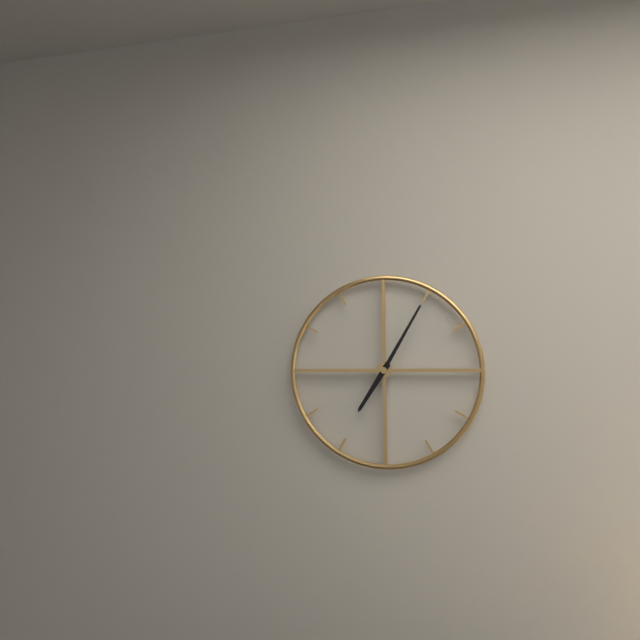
7:05
